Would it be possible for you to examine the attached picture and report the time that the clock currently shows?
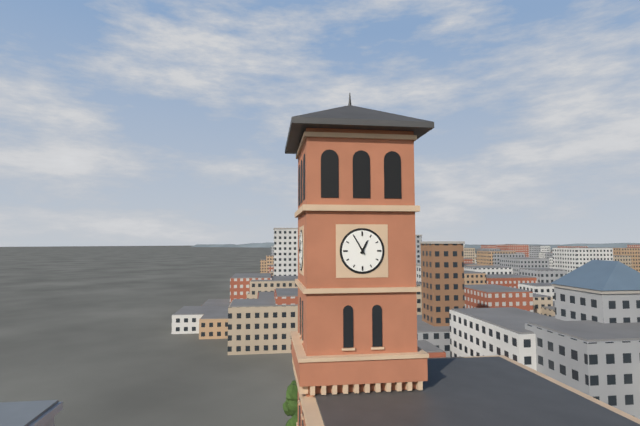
12:55
